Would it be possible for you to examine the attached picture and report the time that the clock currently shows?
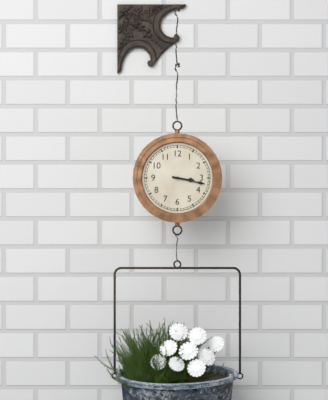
3:17
